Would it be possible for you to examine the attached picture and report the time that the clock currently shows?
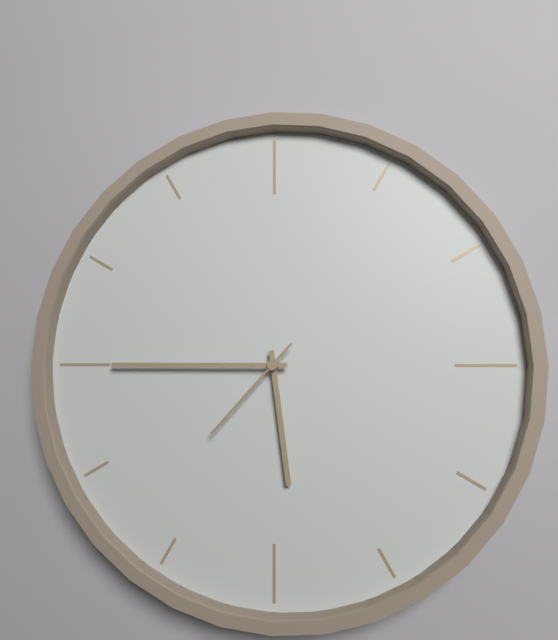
5:45:37
